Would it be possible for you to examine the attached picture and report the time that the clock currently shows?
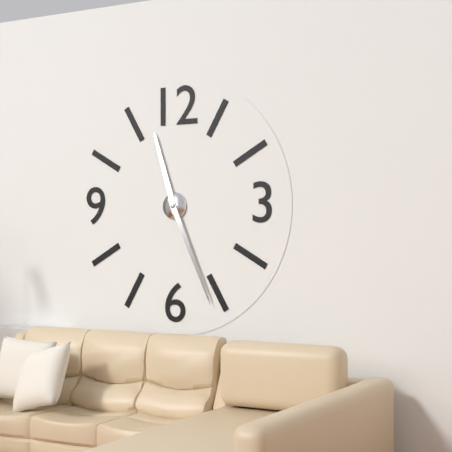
11:26
